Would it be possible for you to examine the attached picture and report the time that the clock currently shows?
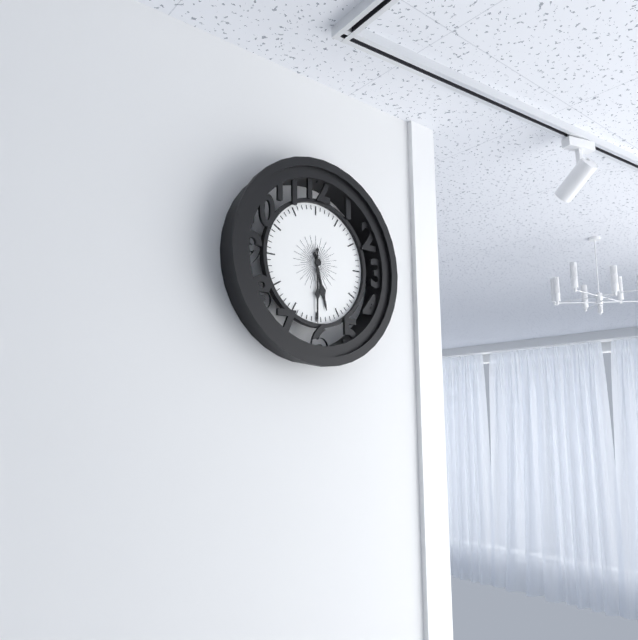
5:30
